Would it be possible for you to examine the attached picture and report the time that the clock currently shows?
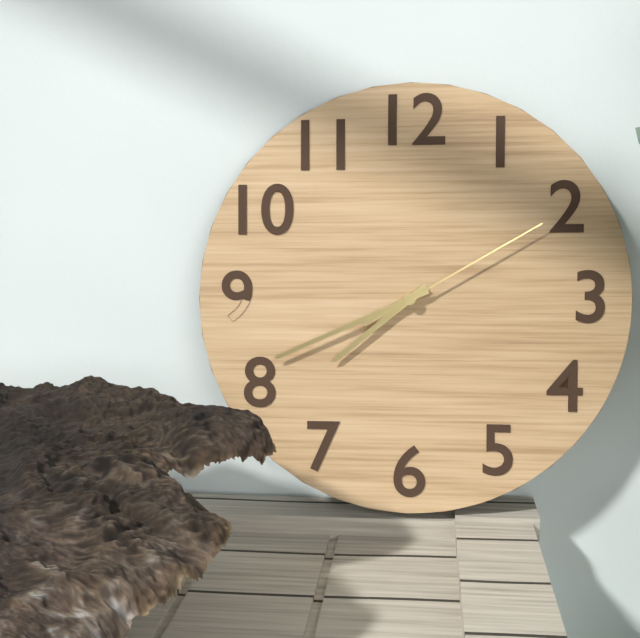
7:41:10
